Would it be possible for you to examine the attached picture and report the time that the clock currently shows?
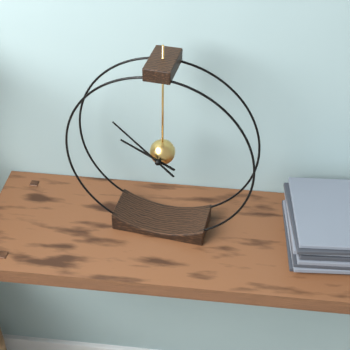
9:52
